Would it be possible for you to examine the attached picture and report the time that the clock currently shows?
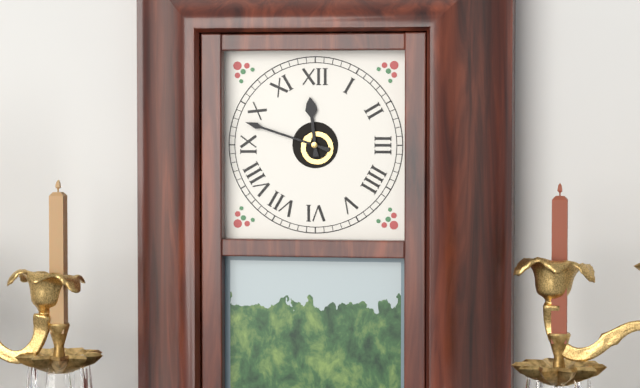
11:48
